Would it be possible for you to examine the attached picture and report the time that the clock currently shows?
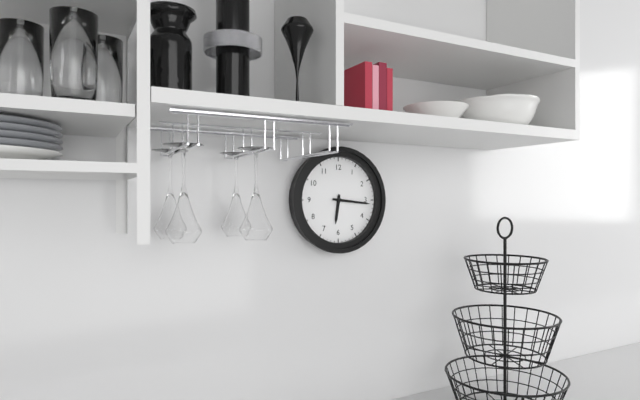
6:16
